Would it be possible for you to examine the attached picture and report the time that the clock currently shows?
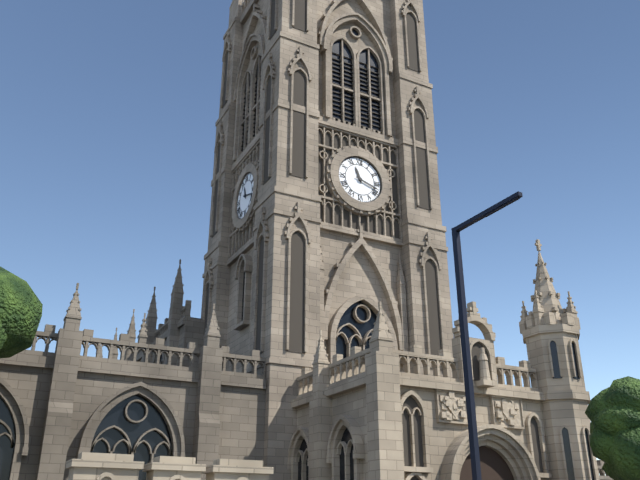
11:18
